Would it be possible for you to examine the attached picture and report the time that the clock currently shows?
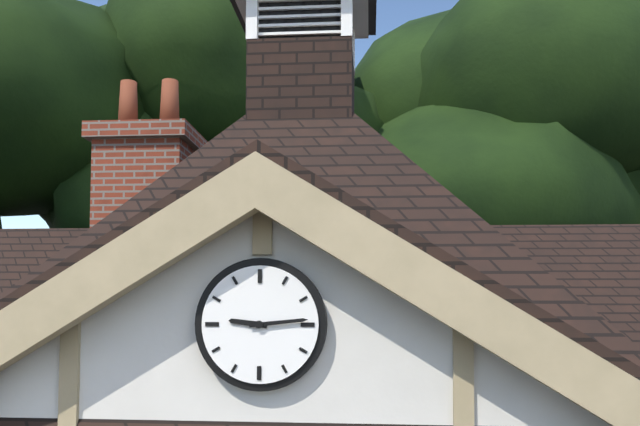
9:14
